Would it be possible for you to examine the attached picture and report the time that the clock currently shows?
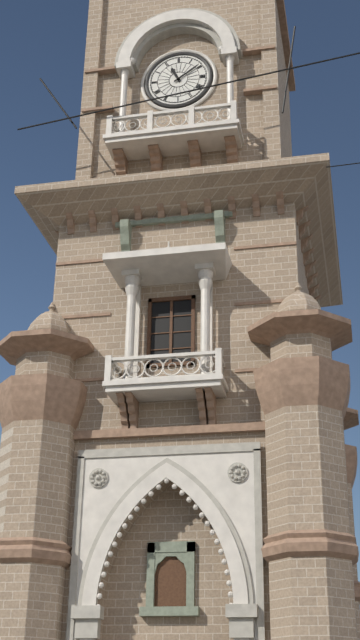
11:09
